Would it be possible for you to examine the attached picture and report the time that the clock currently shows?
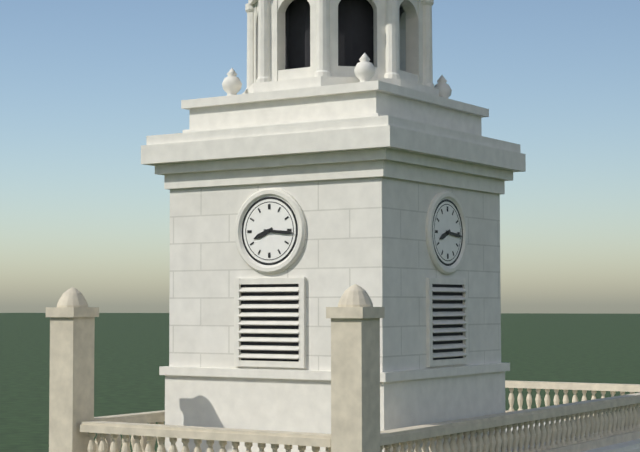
8:16
